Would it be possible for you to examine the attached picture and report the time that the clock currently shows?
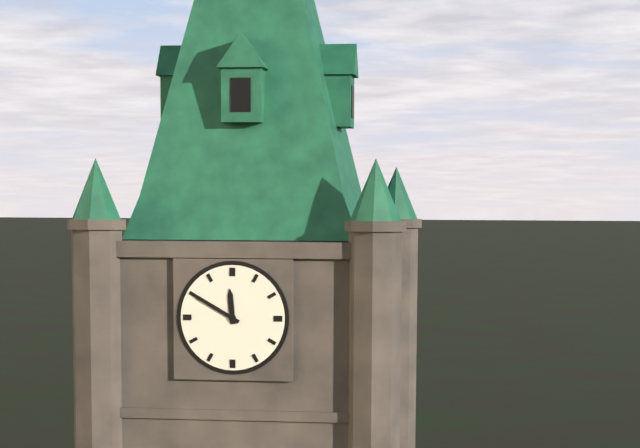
11:50
